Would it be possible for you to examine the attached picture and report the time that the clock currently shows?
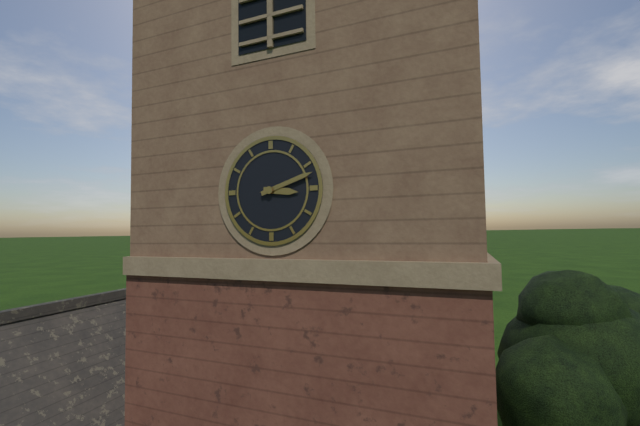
3:12
